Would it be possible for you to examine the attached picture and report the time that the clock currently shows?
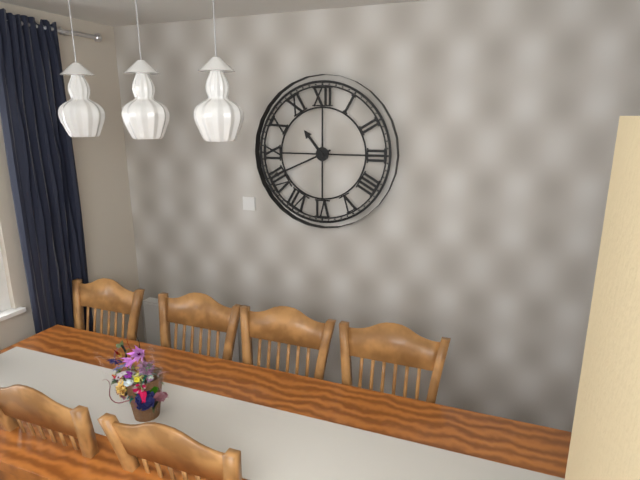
10:41
